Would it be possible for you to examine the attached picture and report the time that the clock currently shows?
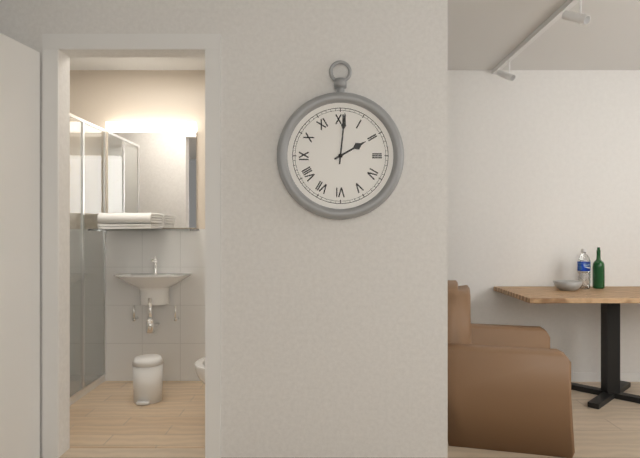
2:01
